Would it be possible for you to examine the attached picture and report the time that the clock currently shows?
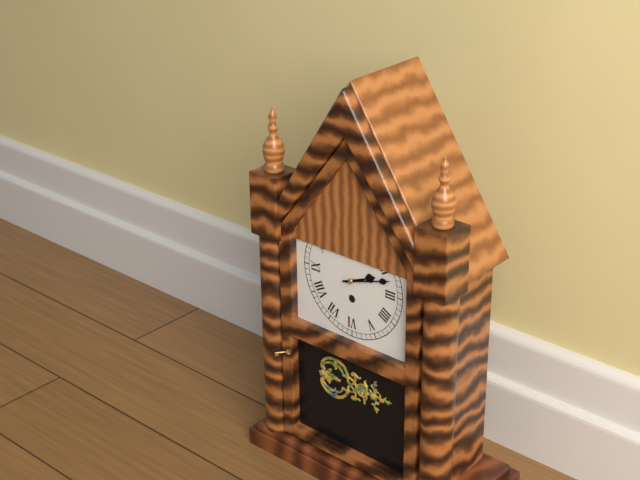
2:12
